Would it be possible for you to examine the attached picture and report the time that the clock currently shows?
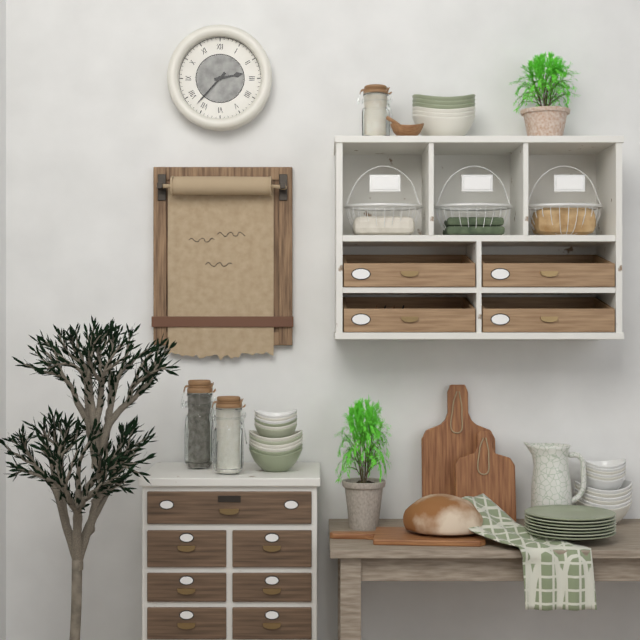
2:37
